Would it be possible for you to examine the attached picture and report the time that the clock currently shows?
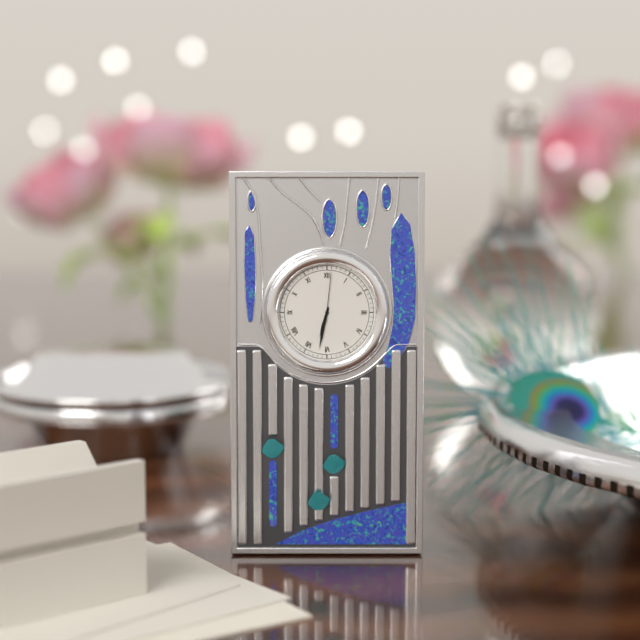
6:32:01
